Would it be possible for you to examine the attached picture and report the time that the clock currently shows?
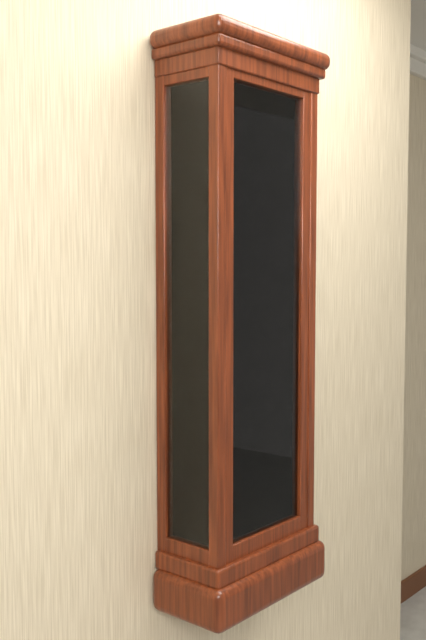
8:23
